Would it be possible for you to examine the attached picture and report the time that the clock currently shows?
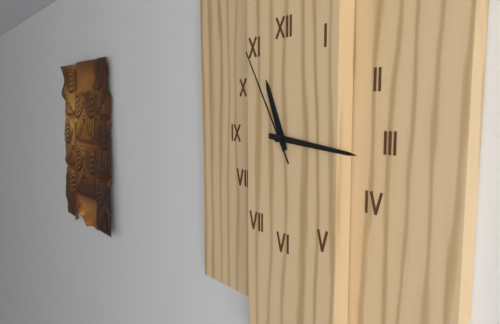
11:16:55
